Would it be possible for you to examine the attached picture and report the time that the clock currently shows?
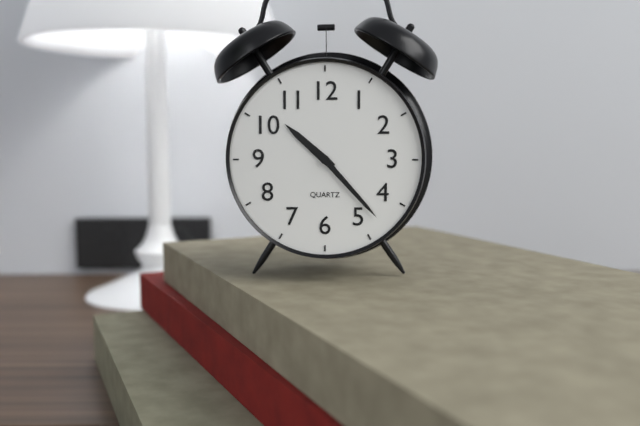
10:23
